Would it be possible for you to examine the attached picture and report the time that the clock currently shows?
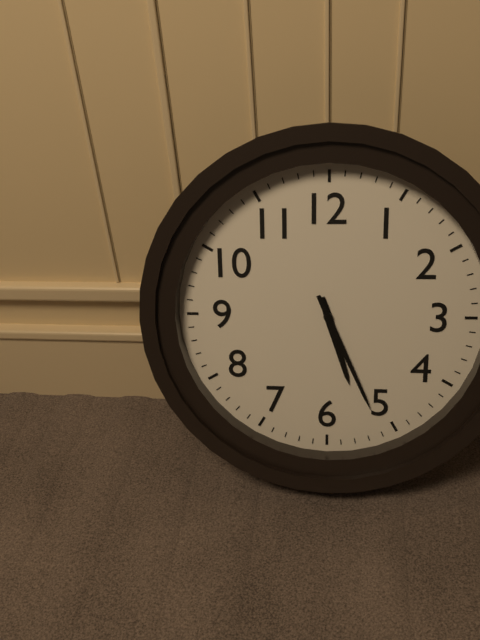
5:26
